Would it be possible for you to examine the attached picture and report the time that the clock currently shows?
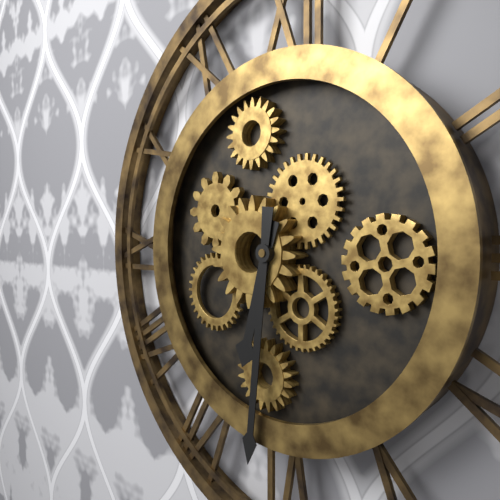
6:31
